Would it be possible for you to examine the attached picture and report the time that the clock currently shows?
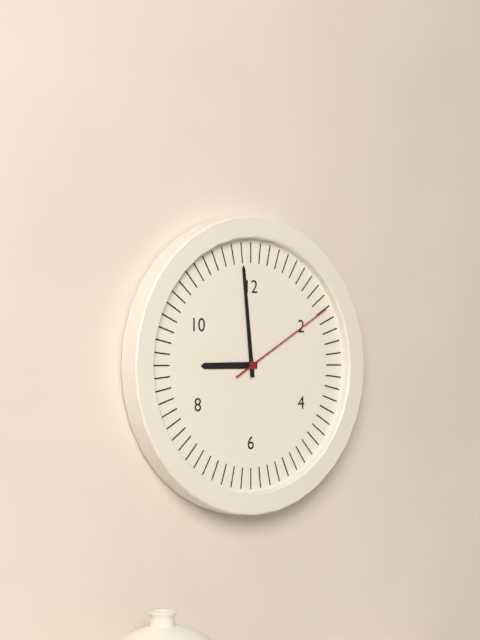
8:59:10
